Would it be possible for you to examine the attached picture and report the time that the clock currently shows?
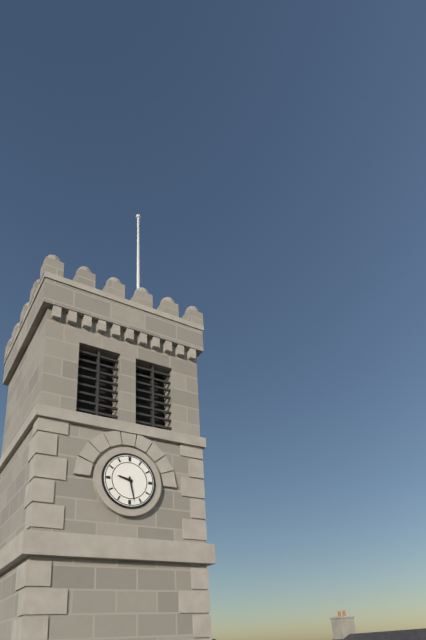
9:28
